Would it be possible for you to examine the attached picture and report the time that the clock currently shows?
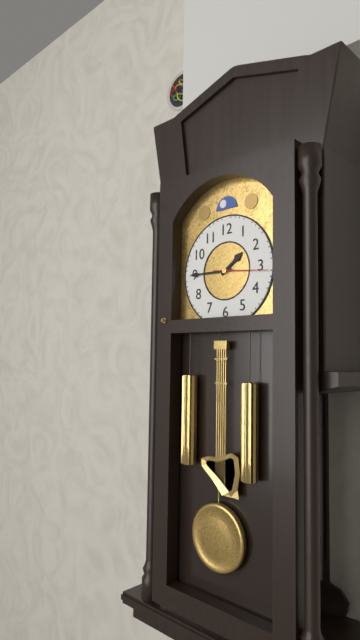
1:45:16
